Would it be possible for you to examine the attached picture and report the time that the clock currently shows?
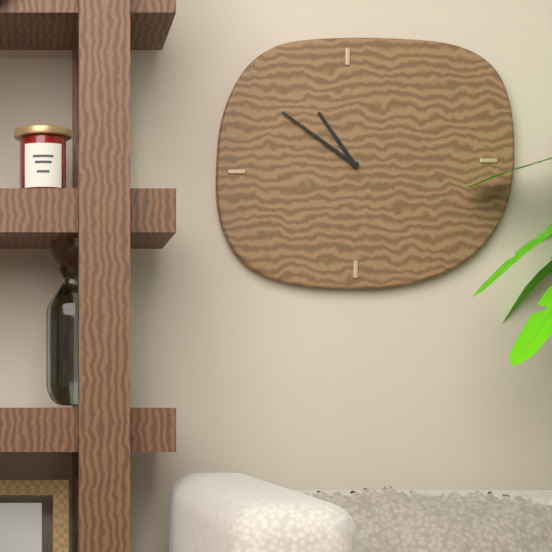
10:51
